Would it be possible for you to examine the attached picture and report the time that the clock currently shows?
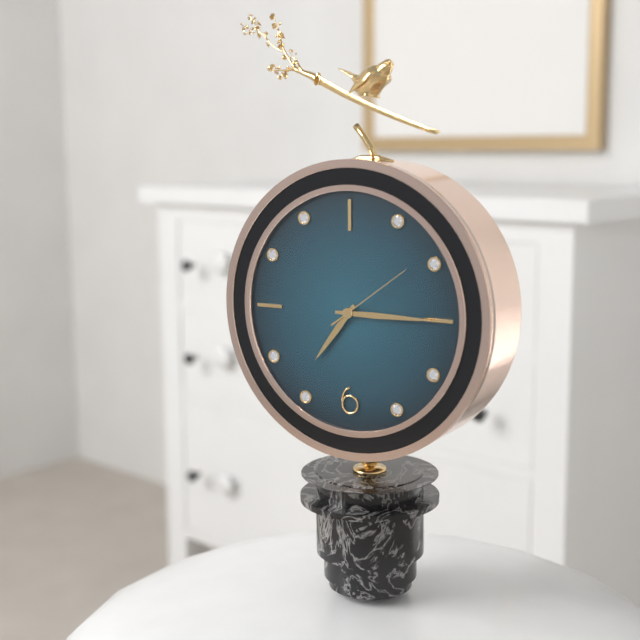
7:15:09
